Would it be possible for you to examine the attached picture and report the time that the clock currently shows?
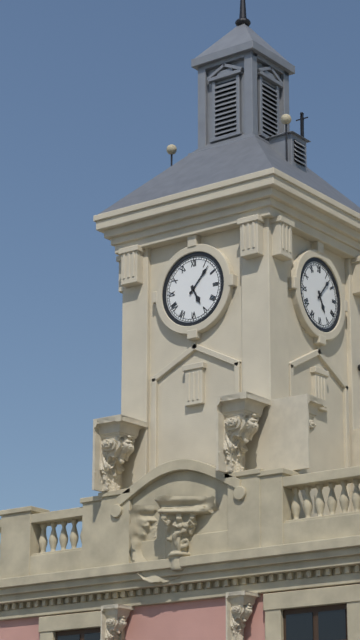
5:07
